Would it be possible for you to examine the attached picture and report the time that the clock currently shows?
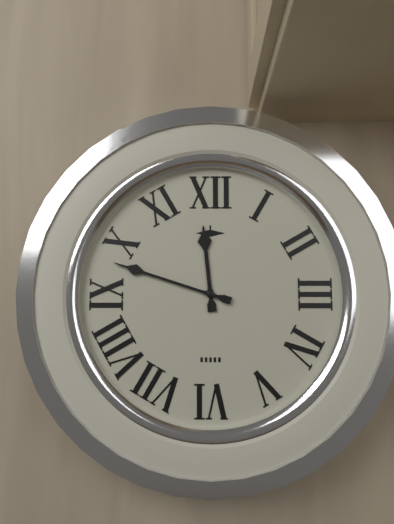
11:48
